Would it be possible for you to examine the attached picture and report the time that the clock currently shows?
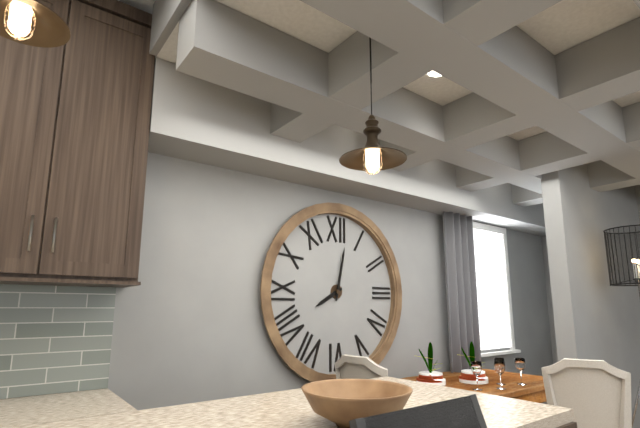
8:02
